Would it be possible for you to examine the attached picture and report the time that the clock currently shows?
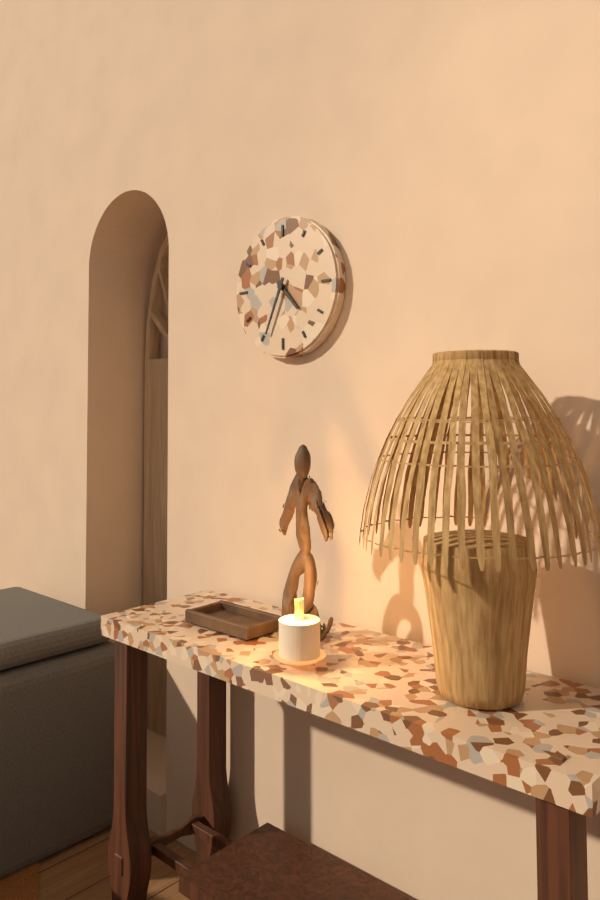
4:34
